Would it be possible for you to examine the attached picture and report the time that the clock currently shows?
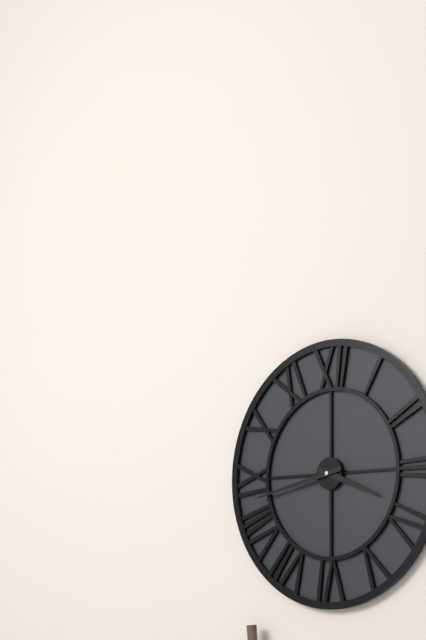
3:43
